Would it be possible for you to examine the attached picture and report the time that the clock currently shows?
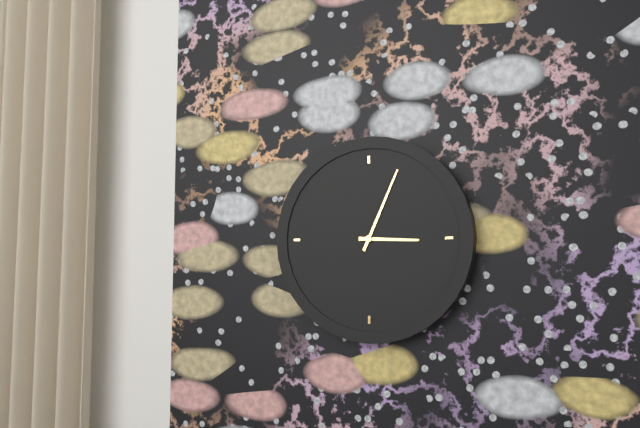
3:04
